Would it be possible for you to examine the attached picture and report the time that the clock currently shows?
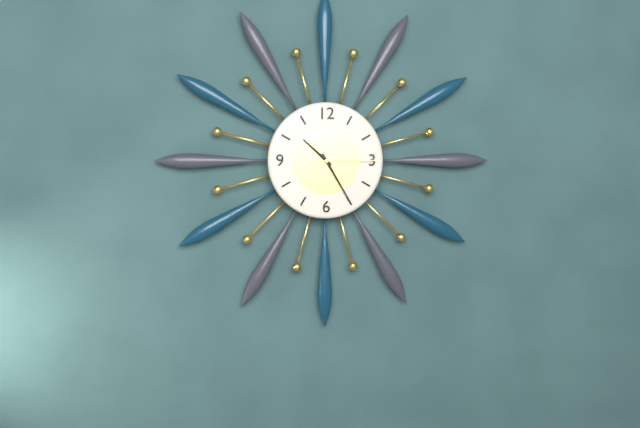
10:25:15
